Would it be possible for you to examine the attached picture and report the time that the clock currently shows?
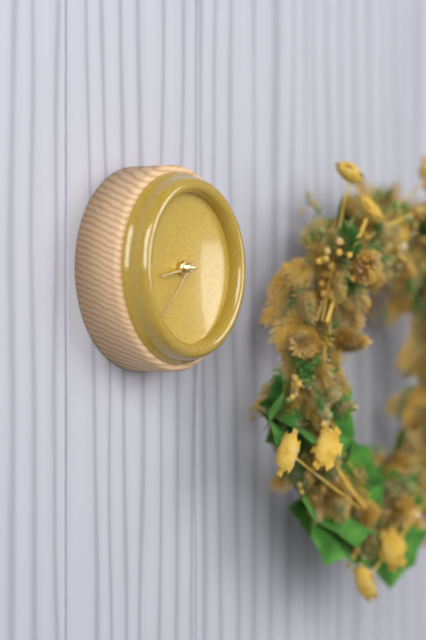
8:37
